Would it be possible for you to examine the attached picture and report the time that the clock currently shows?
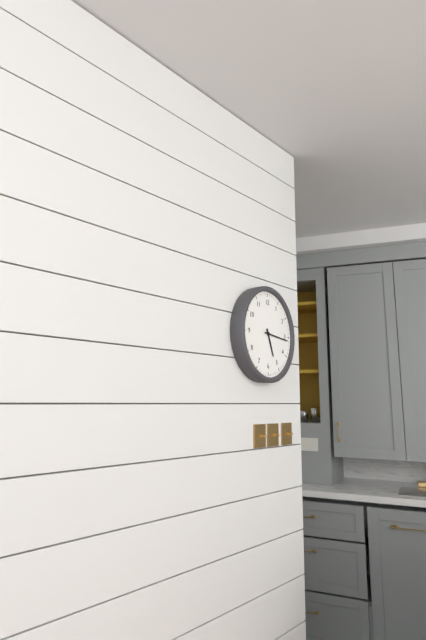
5:16
